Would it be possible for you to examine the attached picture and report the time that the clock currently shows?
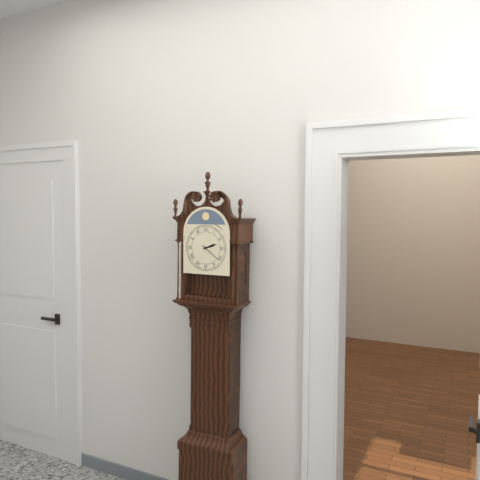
2:21
